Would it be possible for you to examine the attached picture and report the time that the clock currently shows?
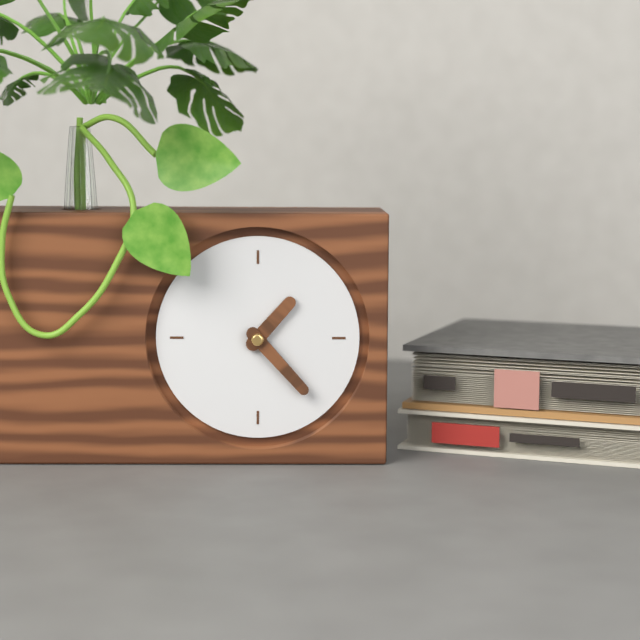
1:23
